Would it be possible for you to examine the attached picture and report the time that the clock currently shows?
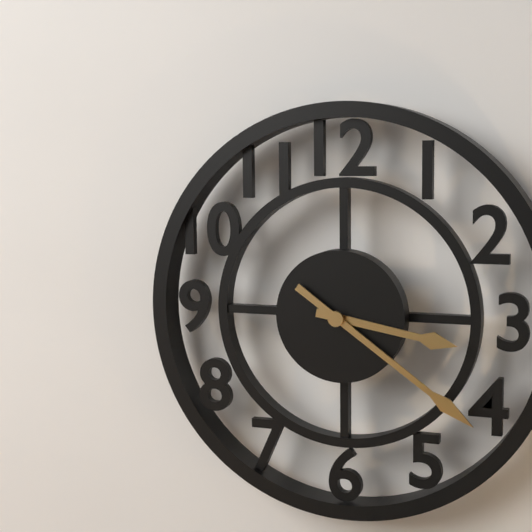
3:21
